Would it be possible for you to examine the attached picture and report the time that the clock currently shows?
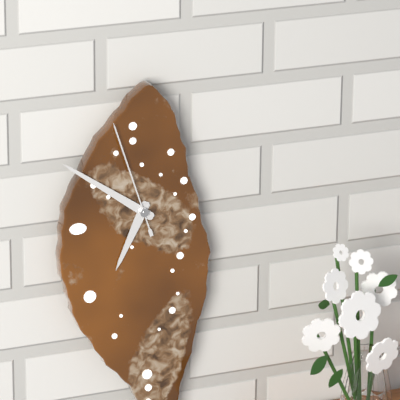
6:51:57
